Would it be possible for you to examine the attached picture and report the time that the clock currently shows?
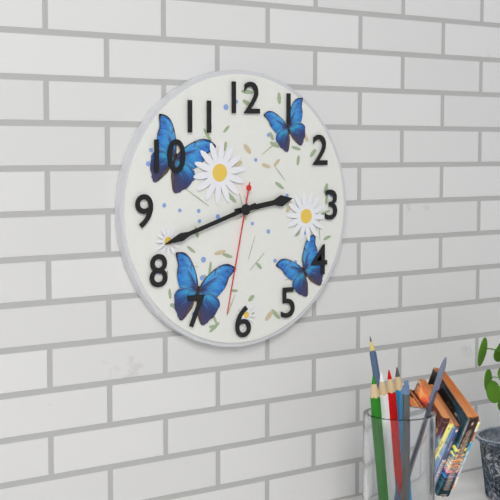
2:42:32
